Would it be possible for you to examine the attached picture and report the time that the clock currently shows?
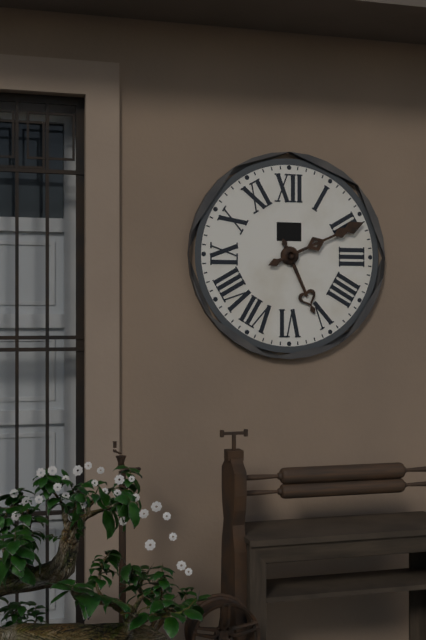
5:11
